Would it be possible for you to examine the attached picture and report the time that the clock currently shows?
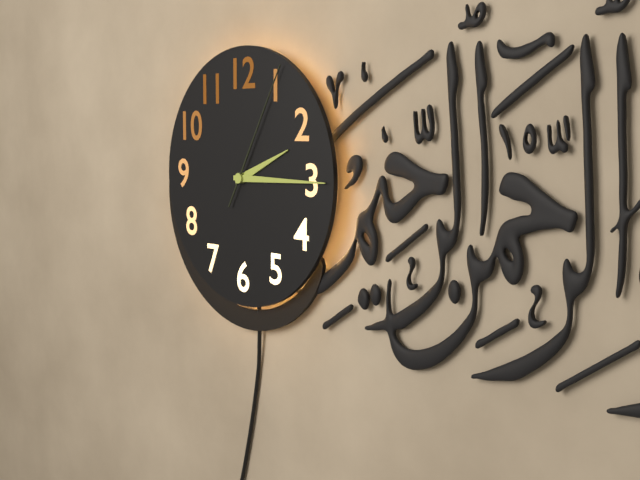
2:15:05
